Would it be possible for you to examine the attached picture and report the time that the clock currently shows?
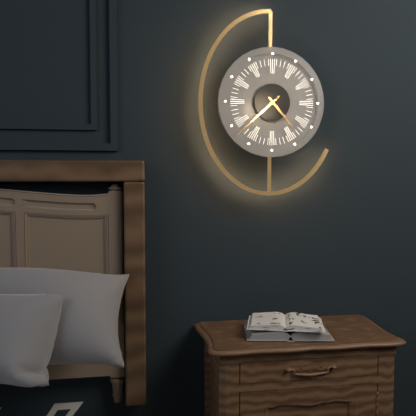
4:38
